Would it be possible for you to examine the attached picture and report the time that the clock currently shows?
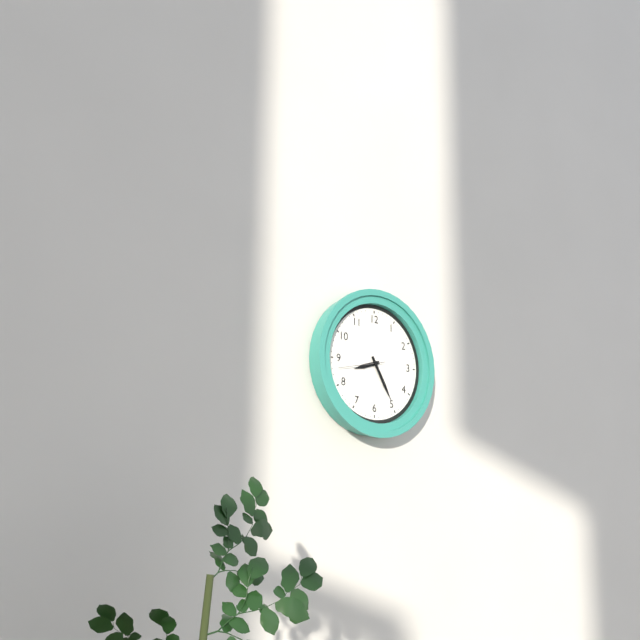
8:25
